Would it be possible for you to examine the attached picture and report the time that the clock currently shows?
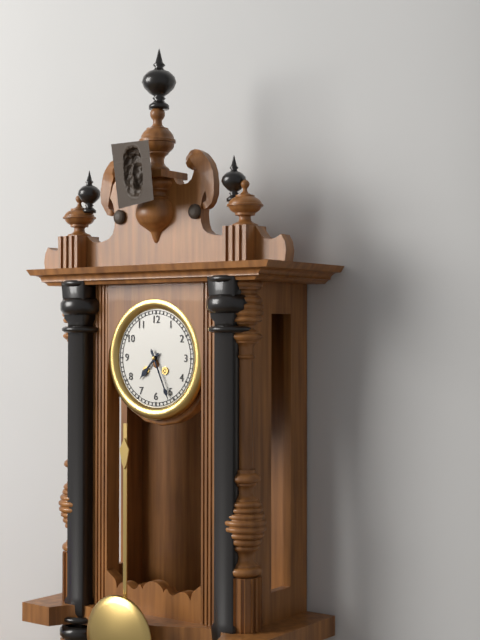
7:26
